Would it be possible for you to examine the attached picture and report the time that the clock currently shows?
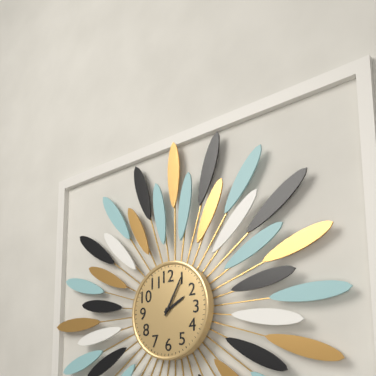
2:05
